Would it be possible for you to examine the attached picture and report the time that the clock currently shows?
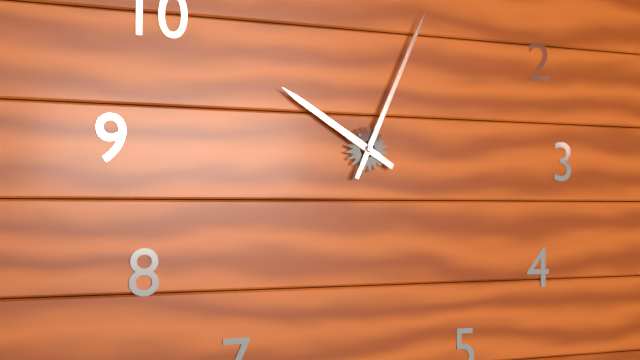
10:04
